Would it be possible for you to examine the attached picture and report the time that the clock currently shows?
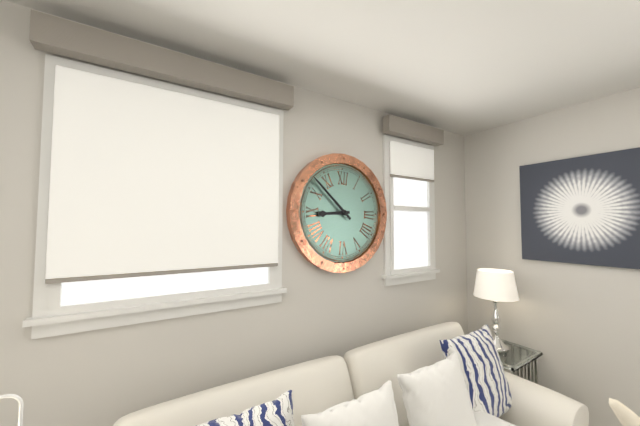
8:52
